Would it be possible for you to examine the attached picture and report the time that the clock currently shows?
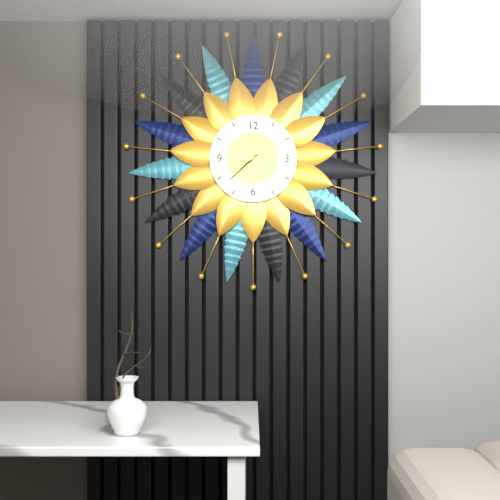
7:38
